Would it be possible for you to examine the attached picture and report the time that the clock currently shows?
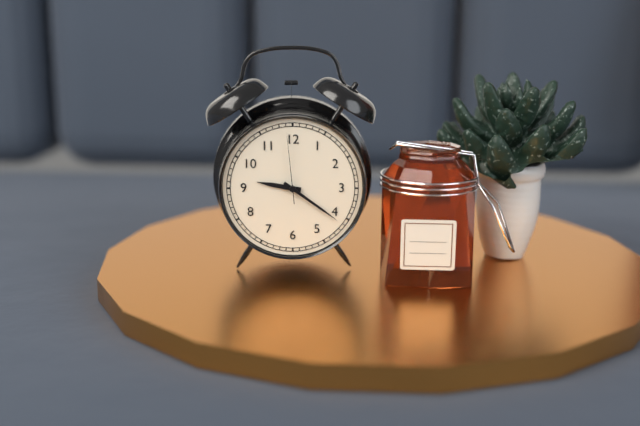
9:21:59
